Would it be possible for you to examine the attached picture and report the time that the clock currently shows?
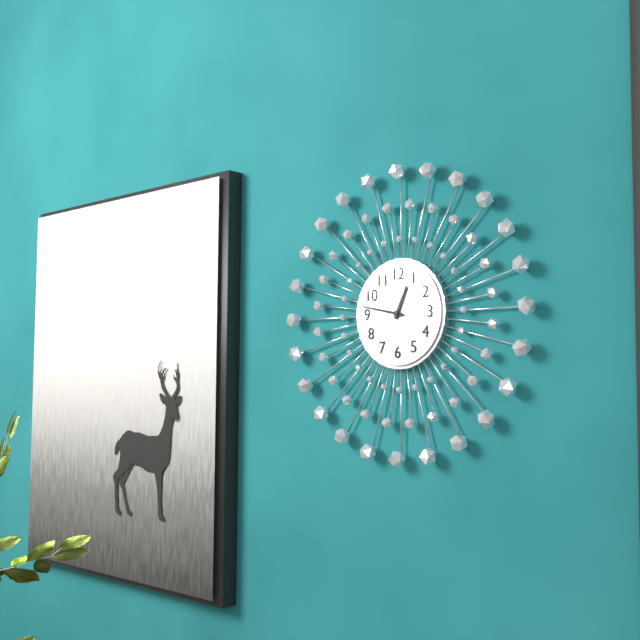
12:47
